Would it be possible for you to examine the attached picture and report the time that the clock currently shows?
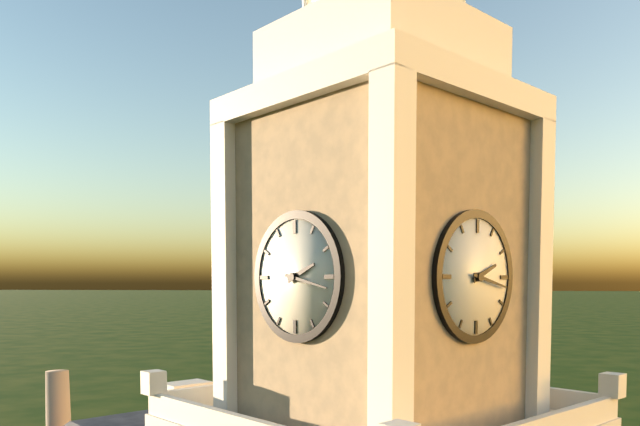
2:17
